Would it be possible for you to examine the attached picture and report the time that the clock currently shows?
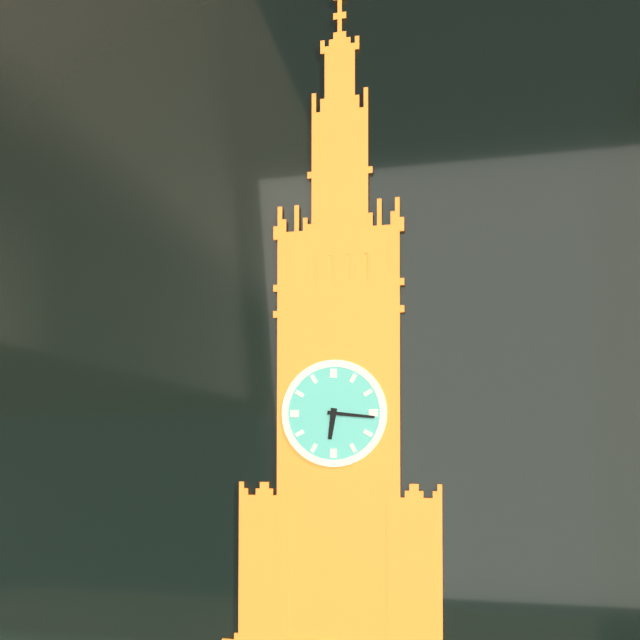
6:16
